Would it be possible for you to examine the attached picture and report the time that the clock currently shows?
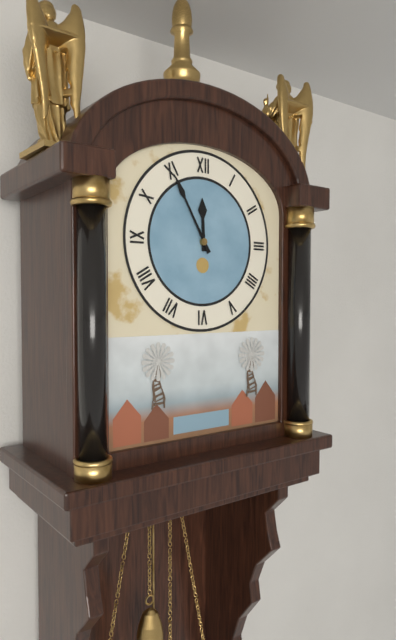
11:55
